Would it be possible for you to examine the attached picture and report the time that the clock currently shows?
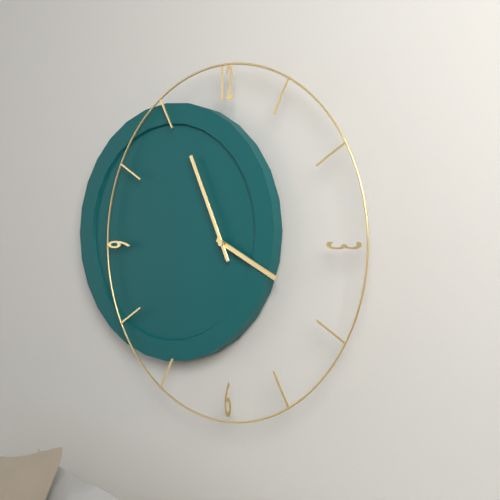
3:56
